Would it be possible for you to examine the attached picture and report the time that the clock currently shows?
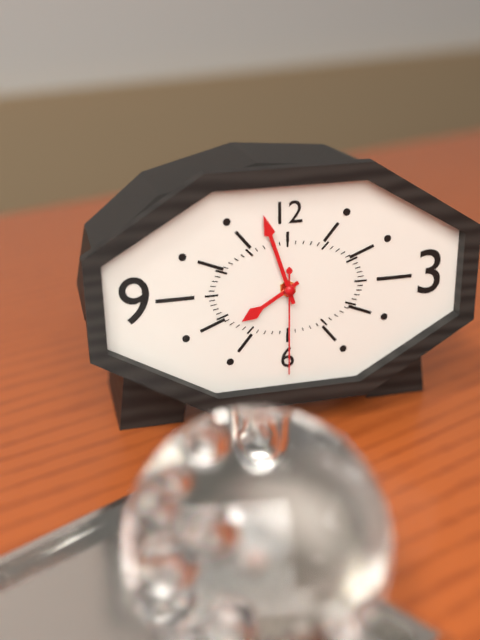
7:57:30
